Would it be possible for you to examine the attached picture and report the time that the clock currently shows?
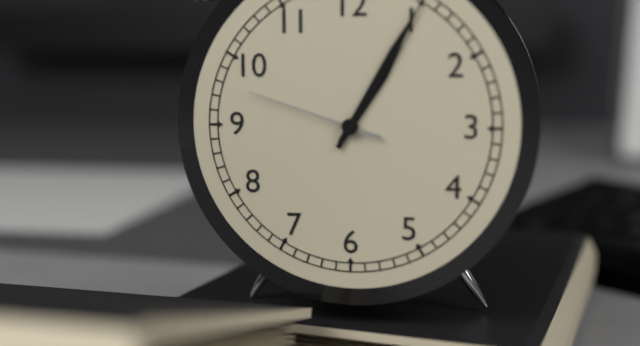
1:05:48
